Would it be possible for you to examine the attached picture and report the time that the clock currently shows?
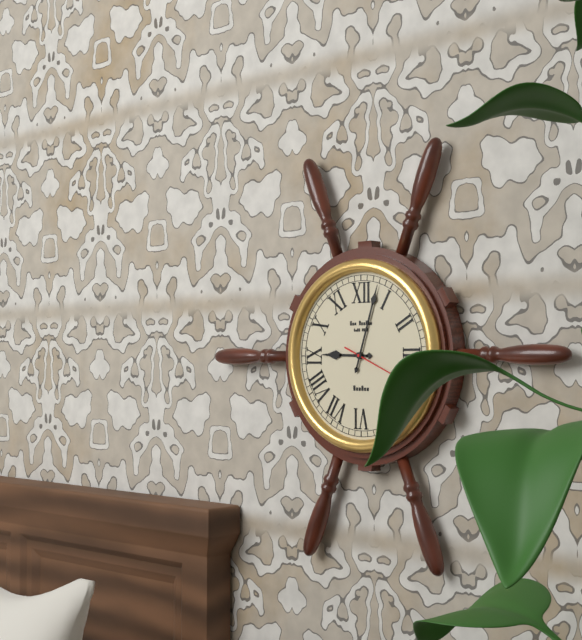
9:03
